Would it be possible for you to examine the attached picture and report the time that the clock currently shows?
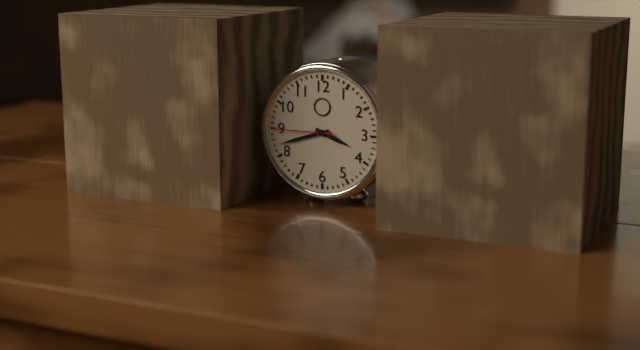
3:42:45
